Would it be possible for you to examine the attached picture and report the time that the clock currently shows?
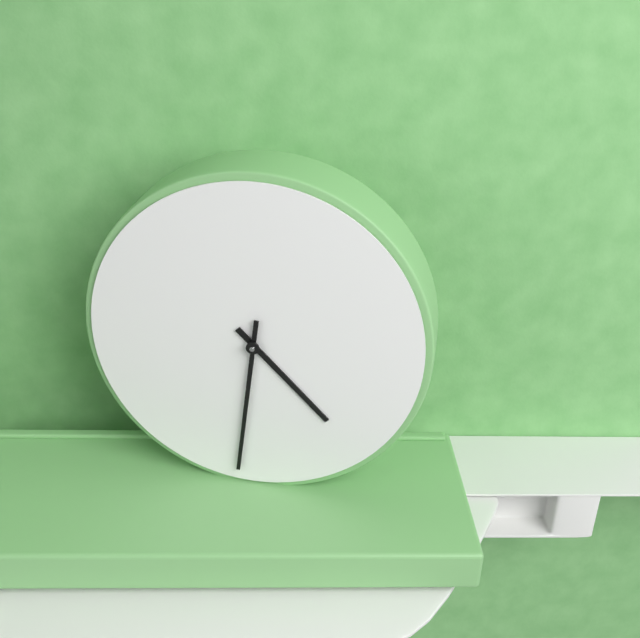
4:31
